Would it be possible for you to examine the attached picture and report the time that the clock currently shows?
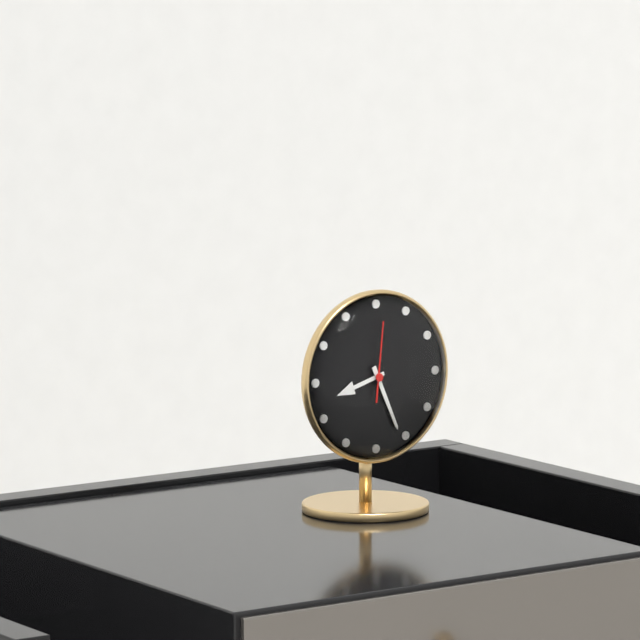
8:26:01
